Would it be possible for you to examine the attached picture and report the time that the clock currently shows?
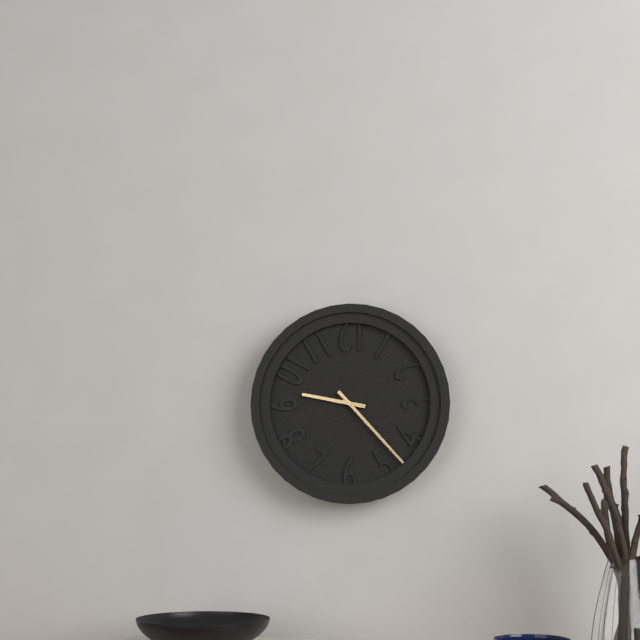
9:23
